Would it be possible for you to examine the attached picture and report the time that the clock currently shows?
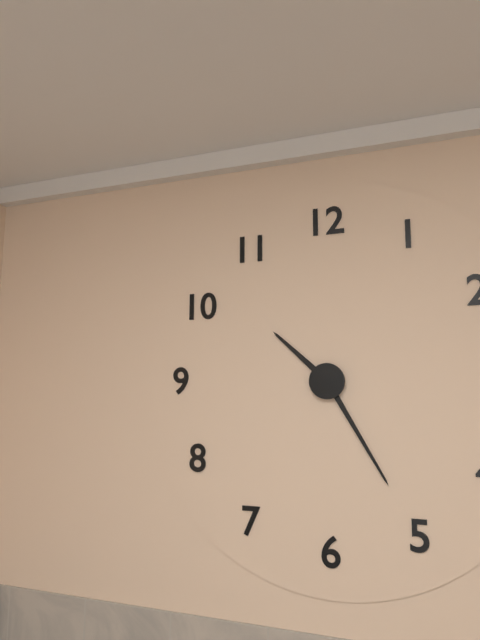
10:25
